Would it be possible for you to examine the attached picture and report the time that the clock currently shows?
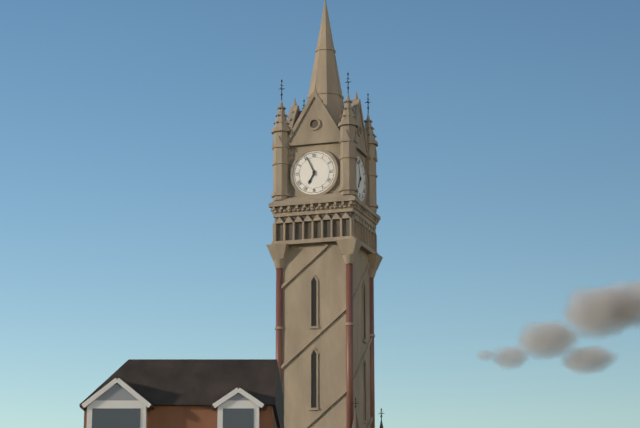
6:56
